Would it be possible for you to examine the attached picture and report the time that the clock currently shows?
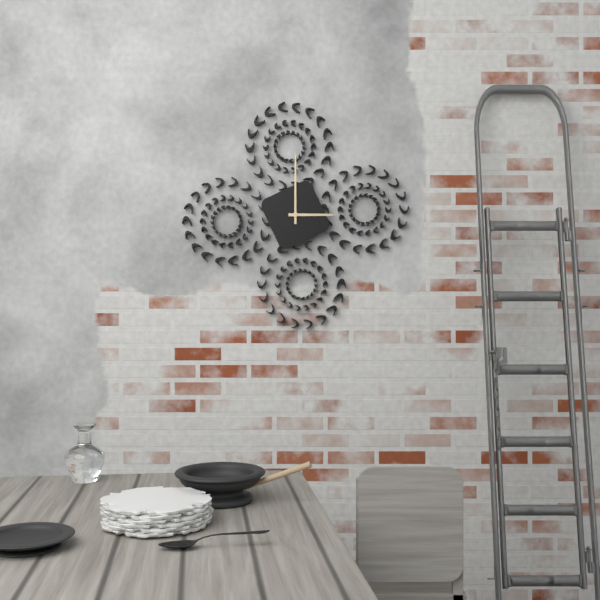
3:00
